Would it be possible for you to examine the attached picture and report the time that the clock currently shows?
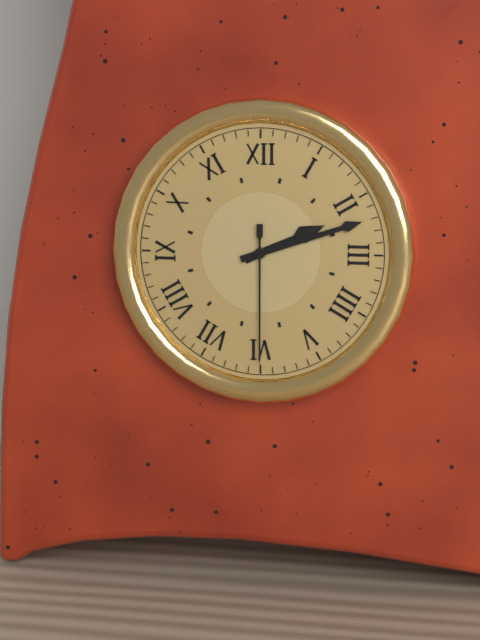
2:12:30
